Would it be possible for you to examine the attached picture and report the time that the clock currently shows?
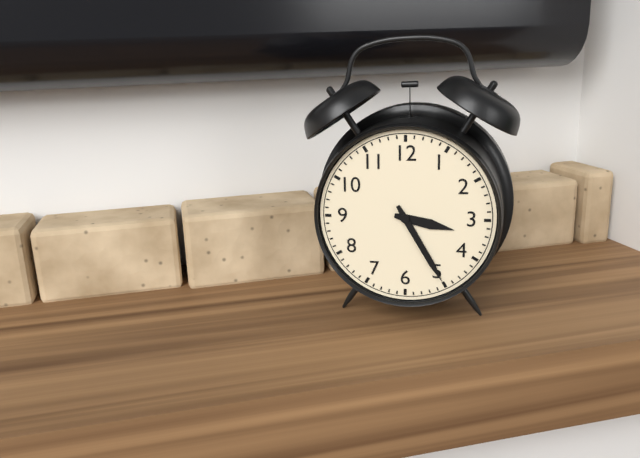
3:25
